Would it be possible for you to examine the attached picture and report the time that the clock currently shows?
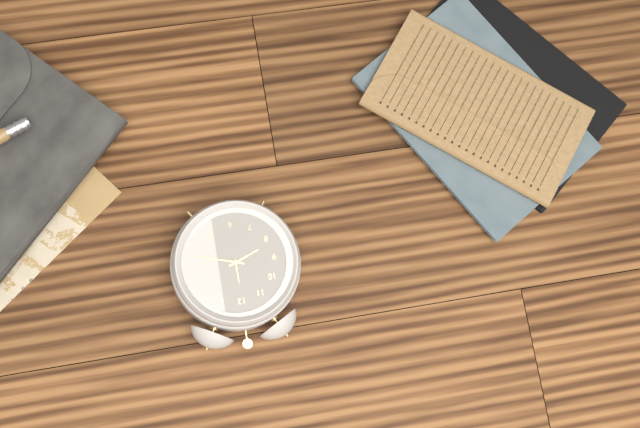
8:18
